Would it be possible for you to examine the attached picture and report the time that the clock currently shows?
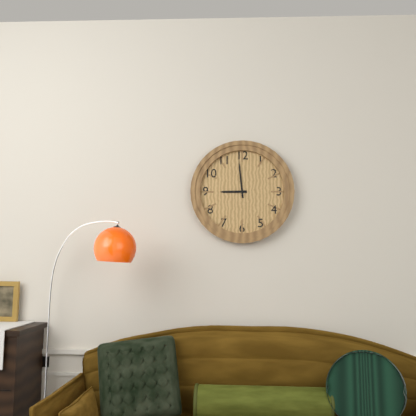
8:59
